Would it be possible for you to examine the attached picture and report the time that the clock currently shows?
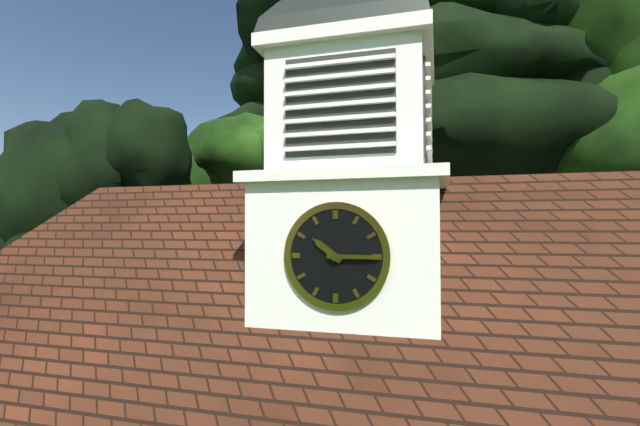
10:15
